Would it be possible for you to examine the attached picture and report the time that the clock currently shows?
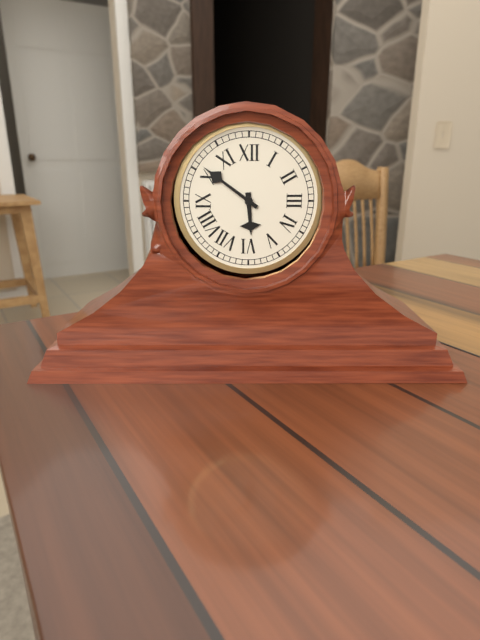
5:51
